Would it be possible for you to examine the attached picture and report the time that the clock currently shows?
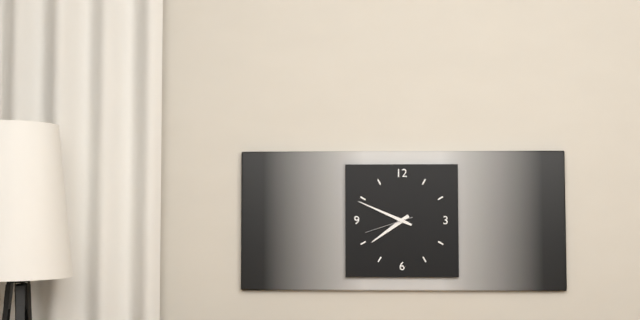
7:49
